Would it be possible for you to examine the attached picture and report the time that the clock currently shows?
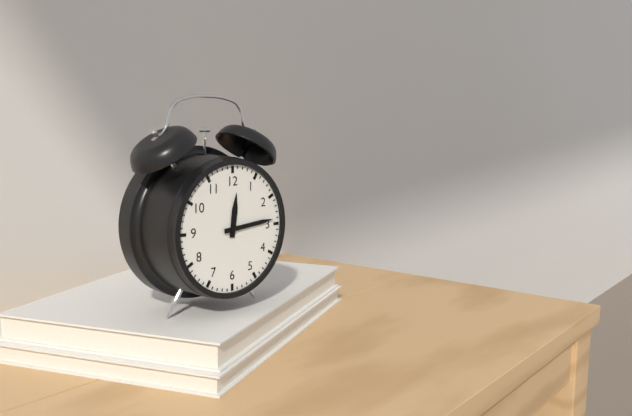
12:14
